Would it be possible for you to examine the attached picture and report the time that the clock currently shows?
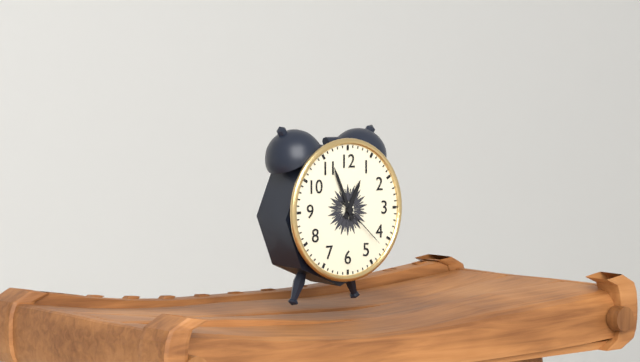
12:56:22
